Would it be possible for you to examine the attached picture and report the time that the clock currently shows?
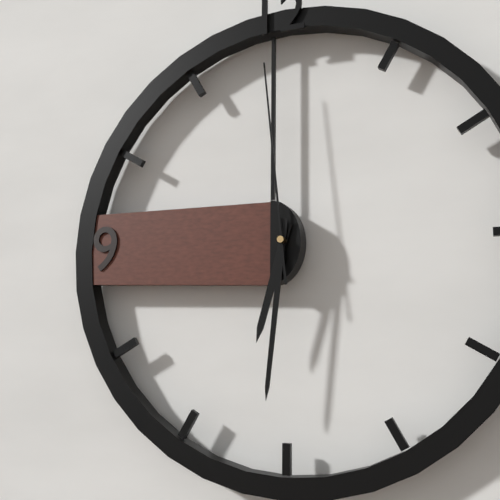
6:31:59
